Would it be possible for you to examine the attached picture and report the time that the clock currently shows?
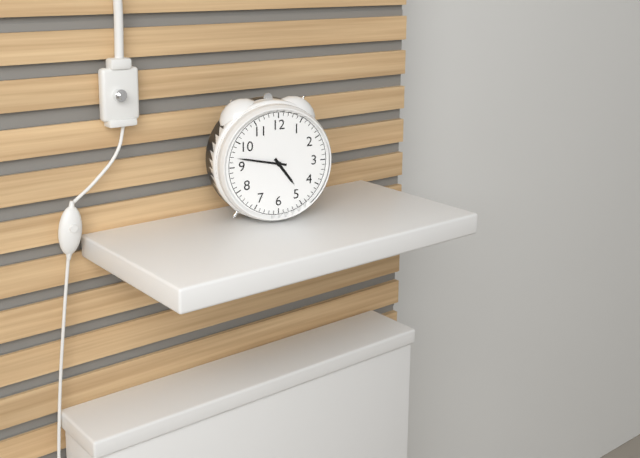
4:47
